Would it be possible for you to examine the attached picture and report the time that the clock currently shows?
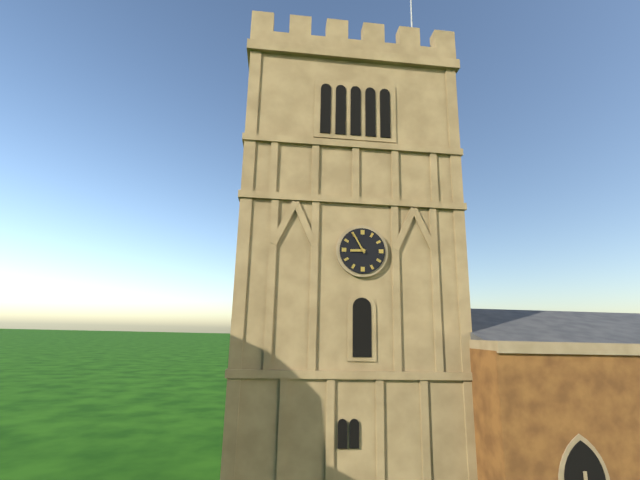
8:55
